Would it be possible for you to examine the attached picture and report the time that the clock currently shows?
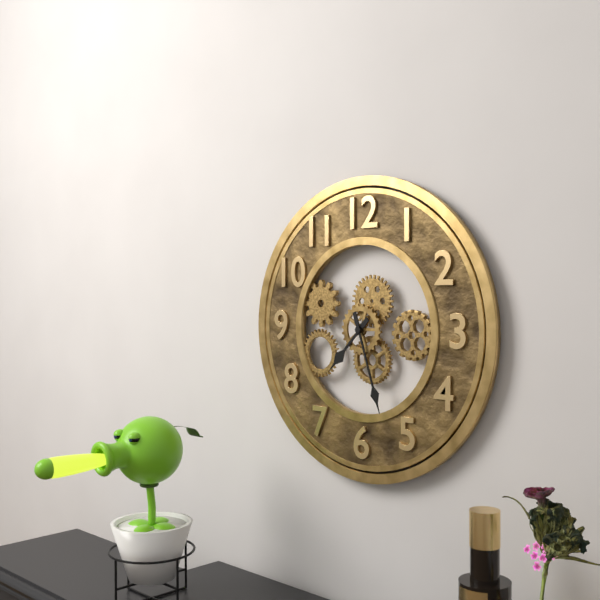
7:27
